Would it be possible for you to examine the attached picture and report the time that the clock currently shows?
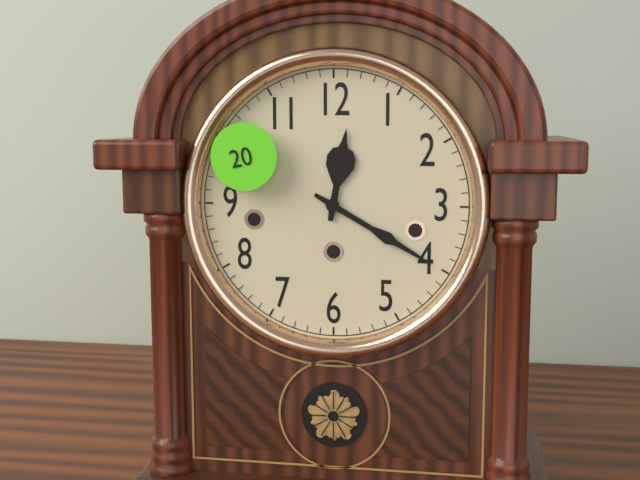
12:20
